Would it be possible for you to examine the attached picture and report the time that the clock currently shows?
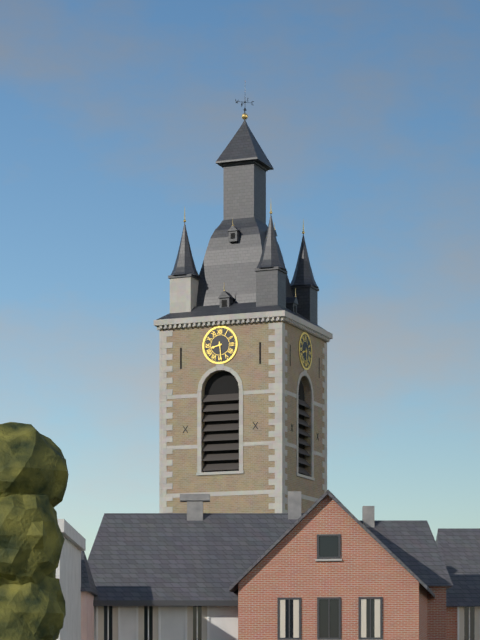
8:29
